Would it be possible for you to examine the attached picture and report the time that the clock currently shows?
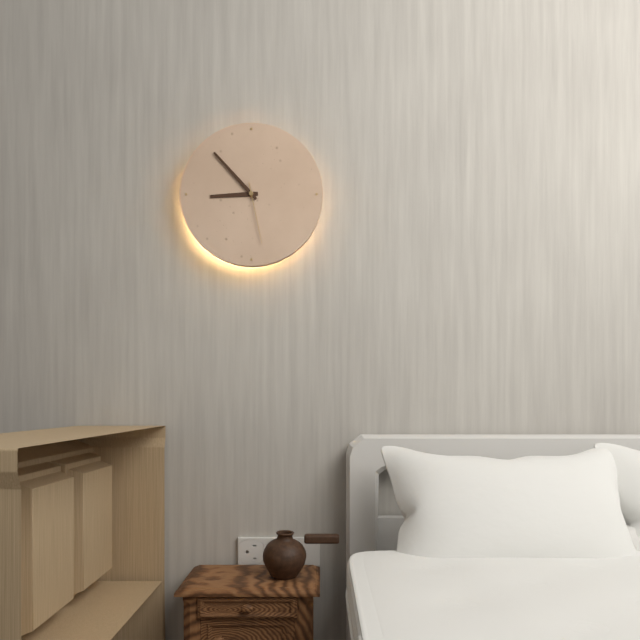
8:53:28
